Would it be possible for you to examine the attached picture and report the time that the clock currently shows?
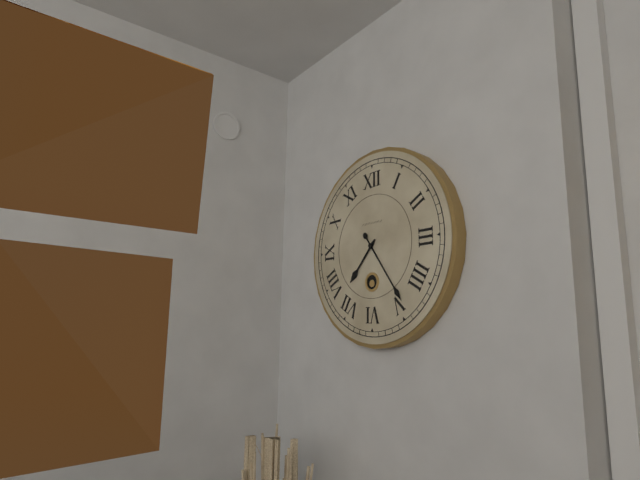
7:24
